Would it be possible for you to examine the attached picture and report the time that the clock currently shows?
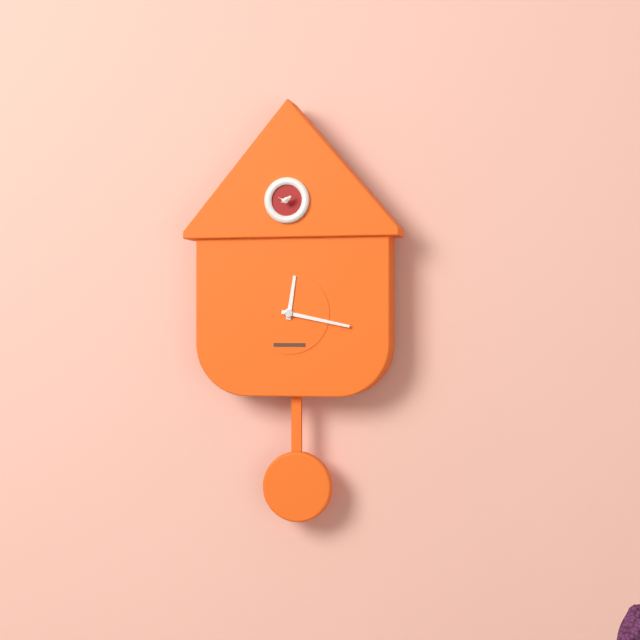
12:17
